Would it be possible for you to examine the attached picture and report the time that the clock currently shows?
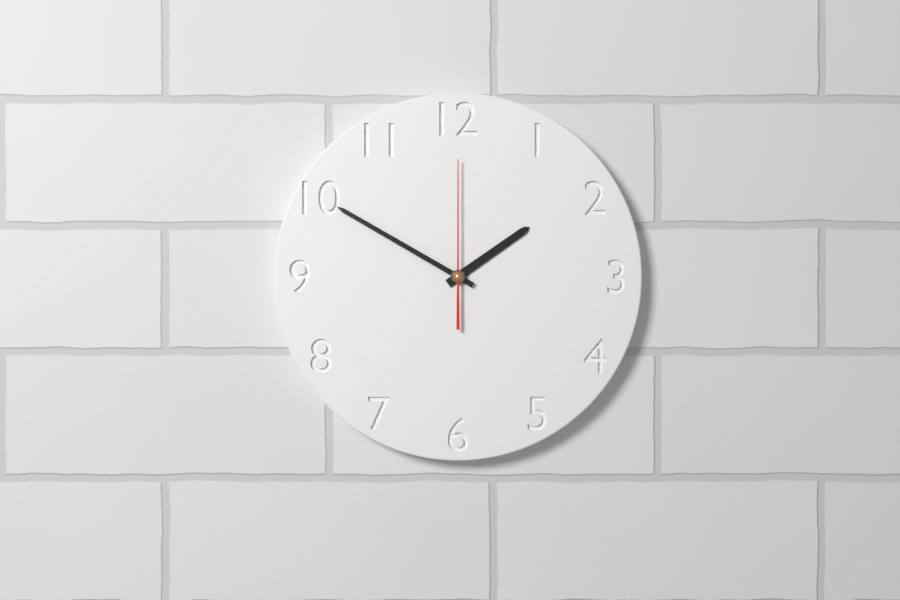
1:50:00
